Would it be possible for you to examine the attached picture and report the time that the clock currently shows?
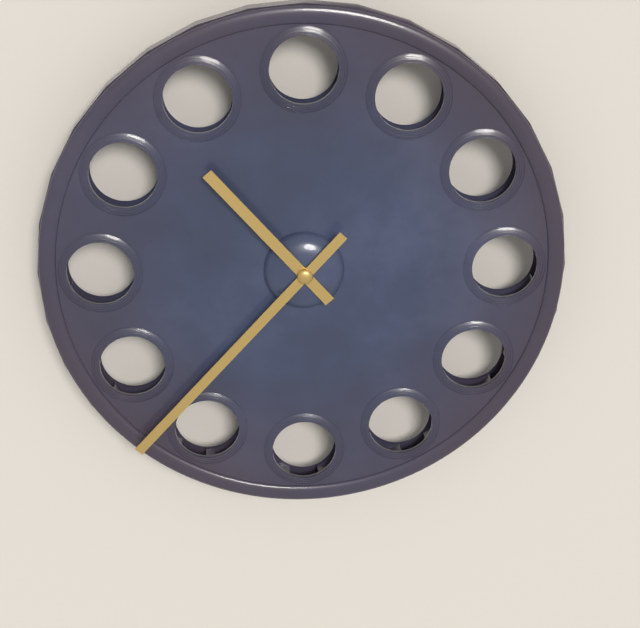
10:37
